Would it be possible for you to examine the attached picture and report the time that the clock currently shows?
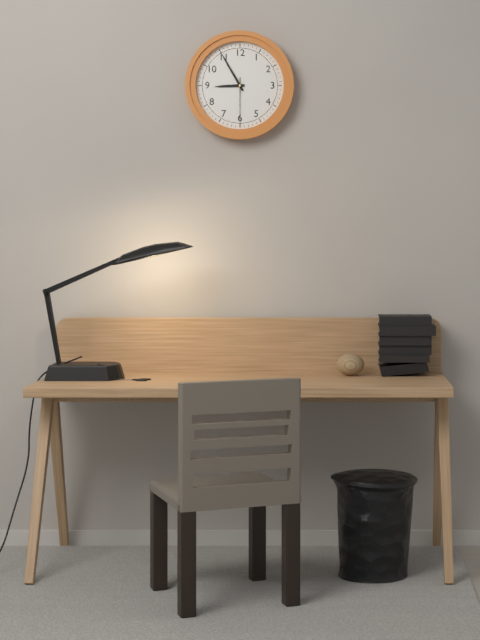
8:55
